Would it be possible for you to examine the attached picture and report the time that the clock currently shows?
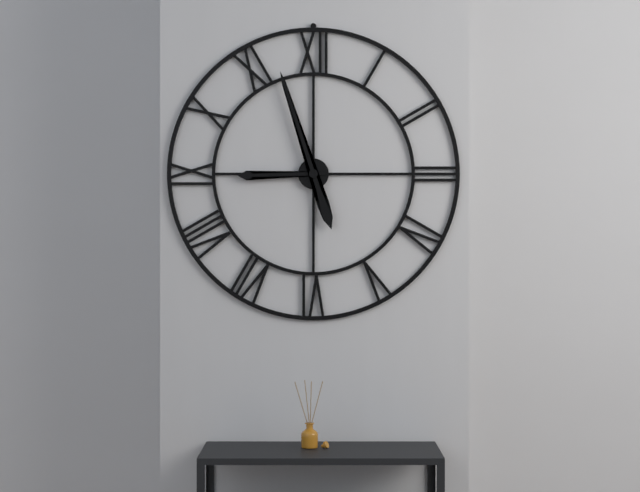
8:57
